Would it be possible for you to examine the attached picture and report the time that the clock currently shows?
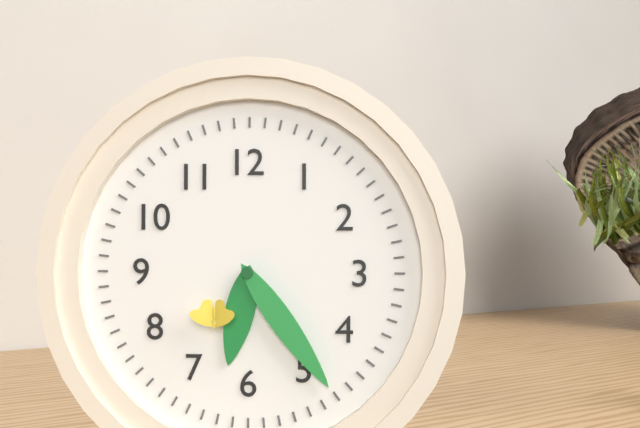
6:24
